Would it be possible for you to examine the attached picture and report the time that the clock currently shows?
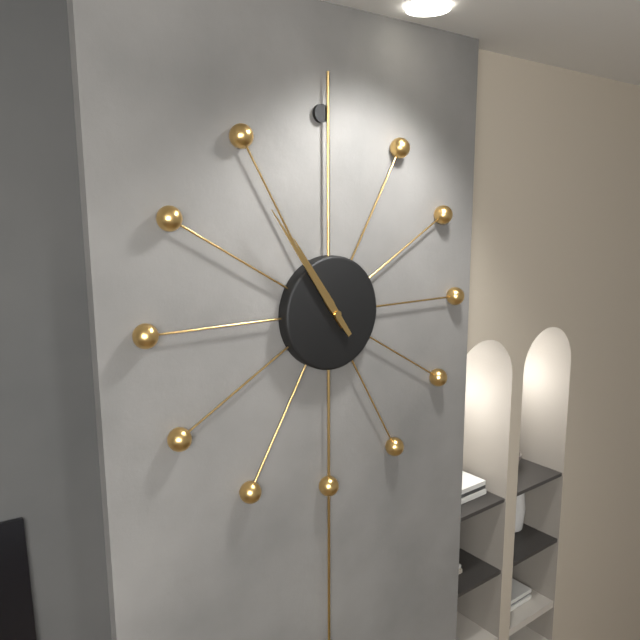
10:54
